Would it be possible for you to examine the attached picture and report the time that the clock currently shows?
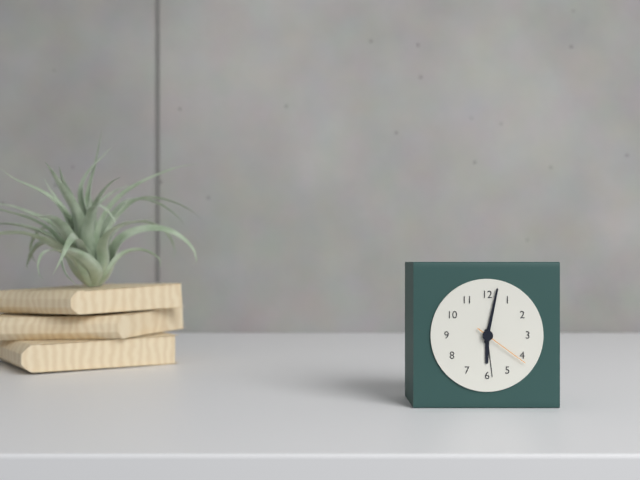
6:02:21
